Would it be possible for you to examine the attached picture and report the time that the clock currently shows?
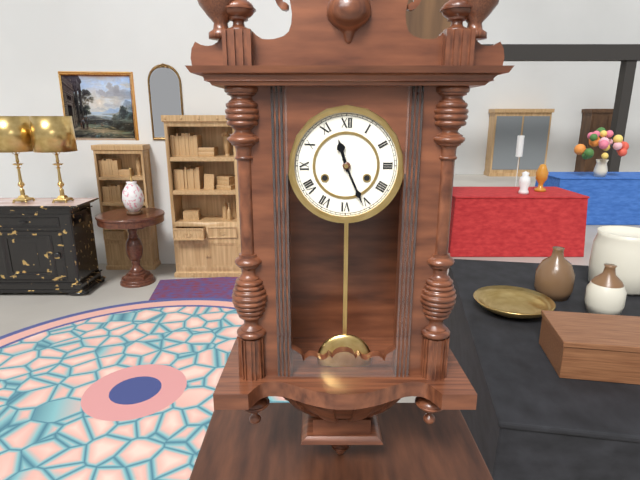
11:26
